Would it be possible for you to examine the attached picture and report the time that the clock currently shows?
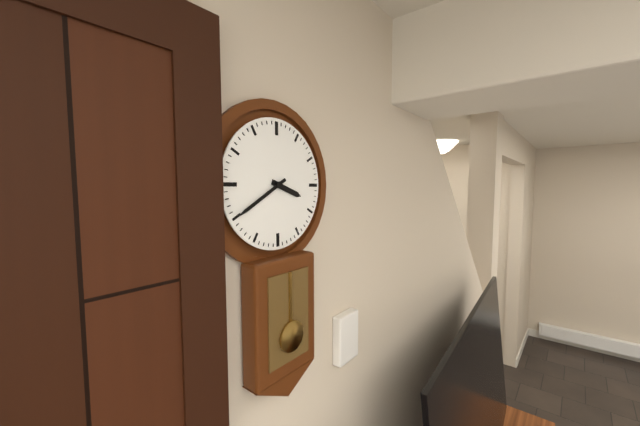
3:40
